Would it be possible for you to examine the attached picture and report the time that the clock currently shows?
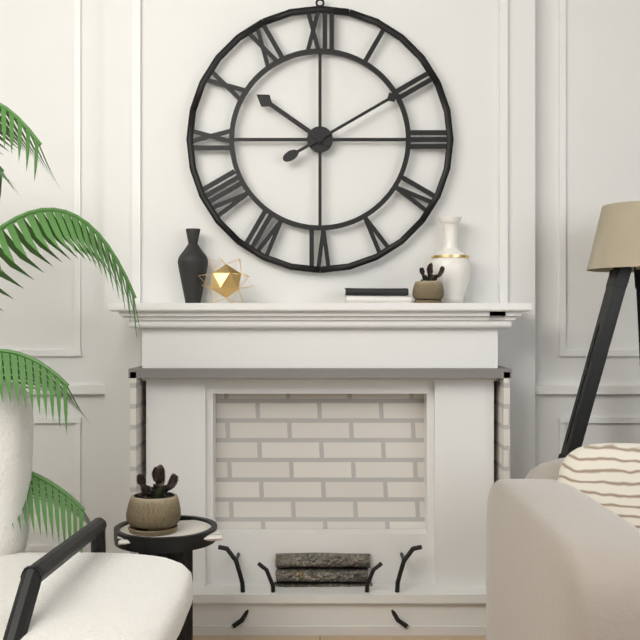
10:10
